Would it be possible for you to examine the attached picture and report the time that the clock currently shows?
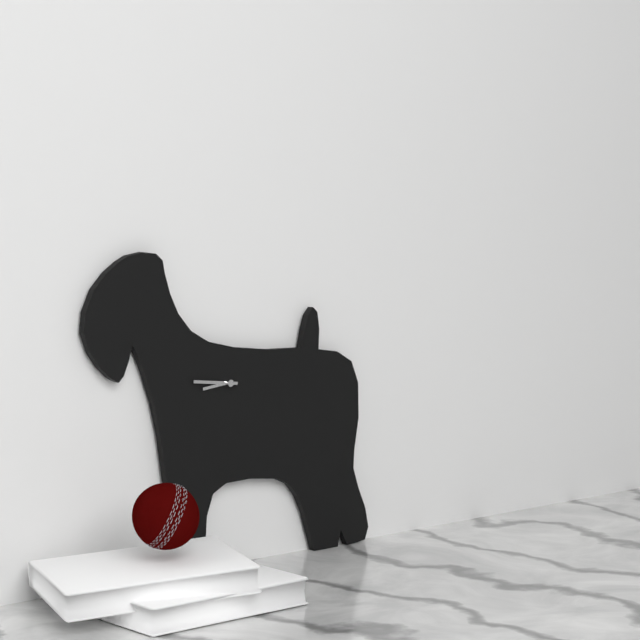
8:46
